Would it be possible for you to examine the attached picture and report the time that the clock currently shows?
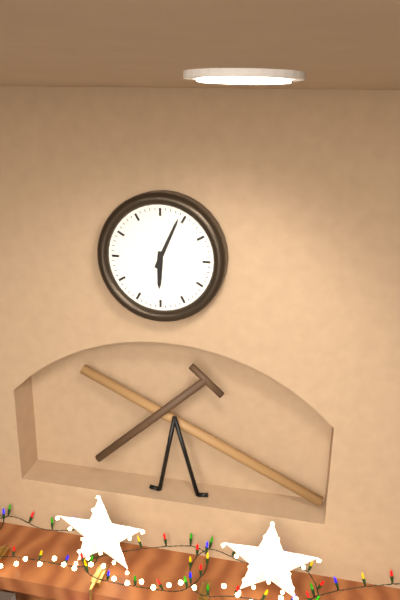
6:04
